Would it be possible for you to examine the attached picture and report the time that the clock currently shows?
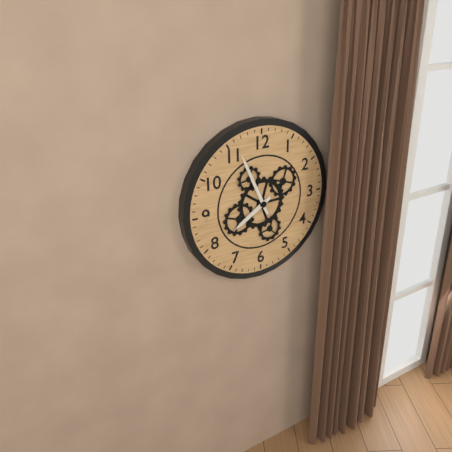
7:56
